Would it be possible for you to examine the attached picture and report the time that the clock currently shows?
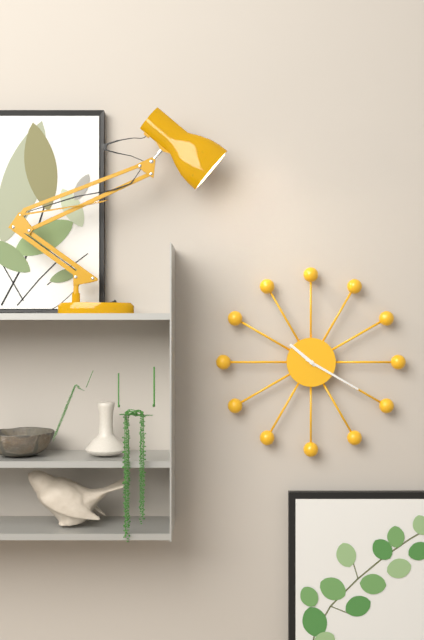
10:20
